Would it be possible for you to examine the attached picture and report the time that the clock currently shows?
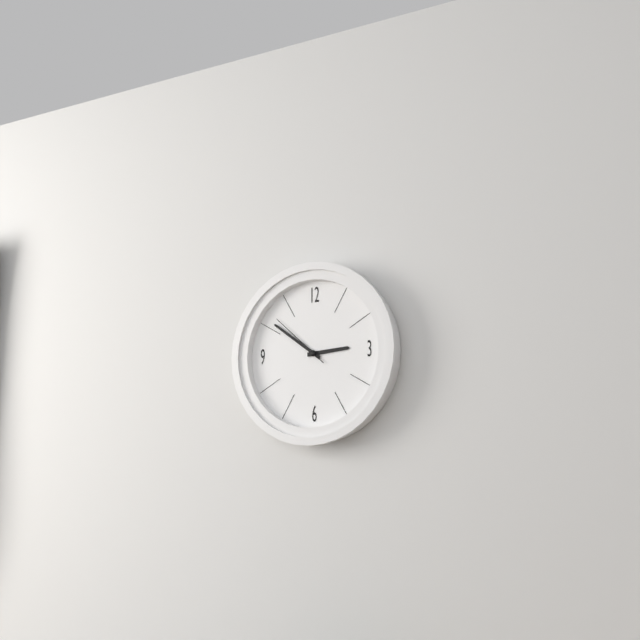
2:51:52
